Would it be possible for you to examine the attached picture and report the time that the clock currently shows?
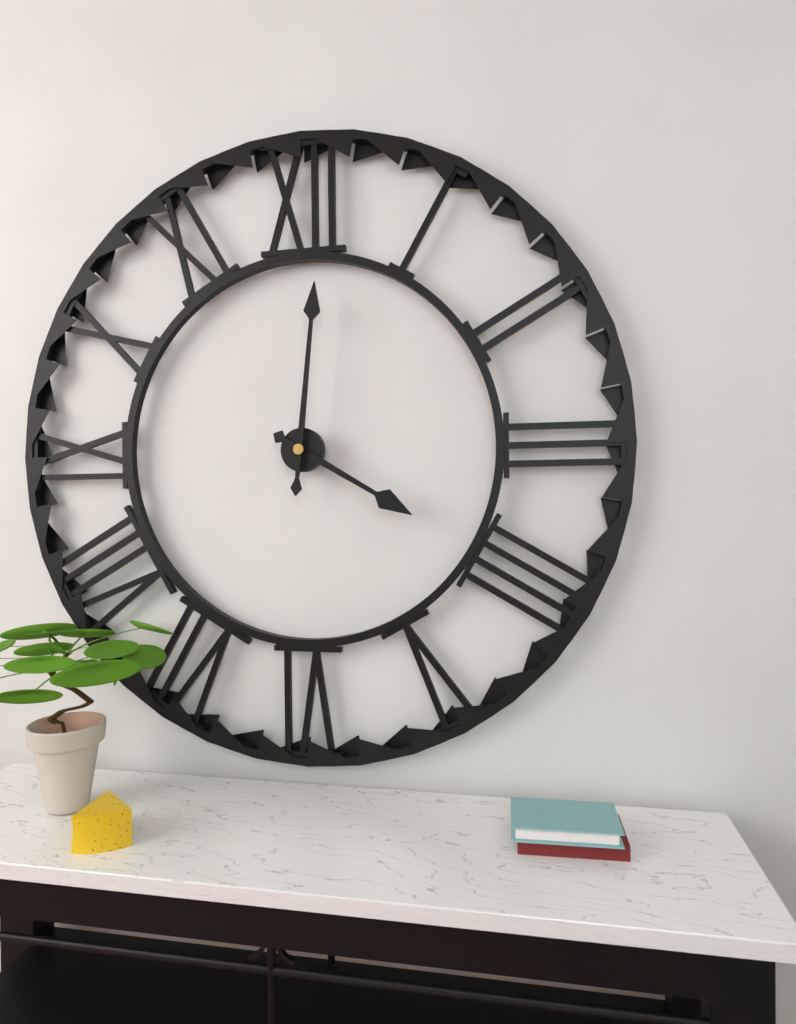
4:01
